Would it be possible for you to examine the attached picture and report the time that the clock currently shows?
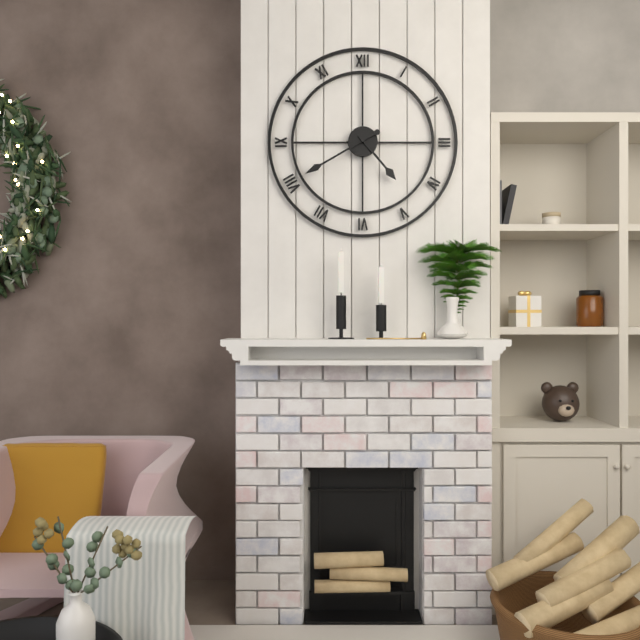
4:40
